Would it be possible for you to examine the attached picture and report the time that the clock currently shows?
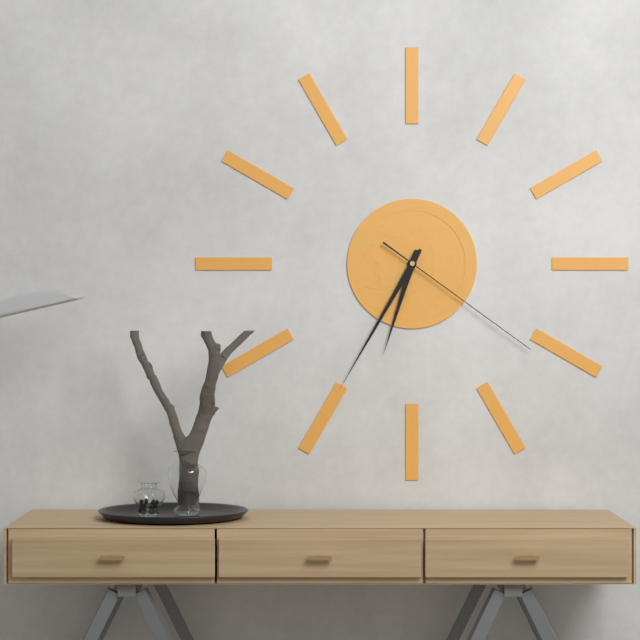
6:35:21
